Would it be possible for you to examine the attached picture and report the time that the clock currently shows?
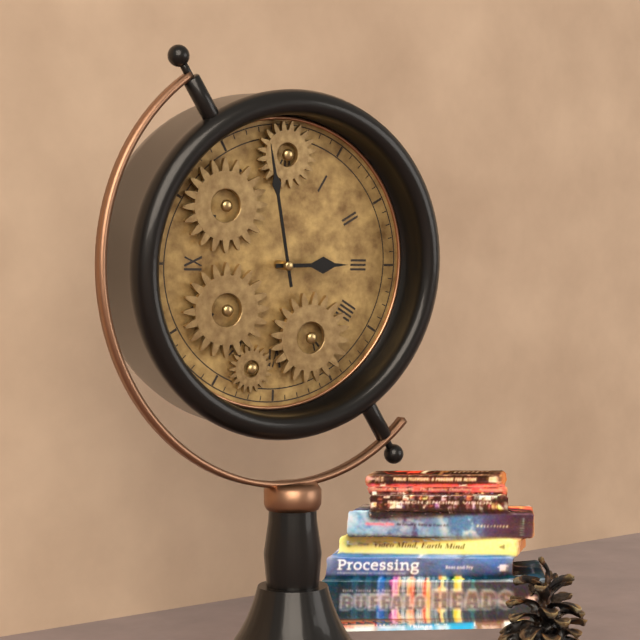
2:58
